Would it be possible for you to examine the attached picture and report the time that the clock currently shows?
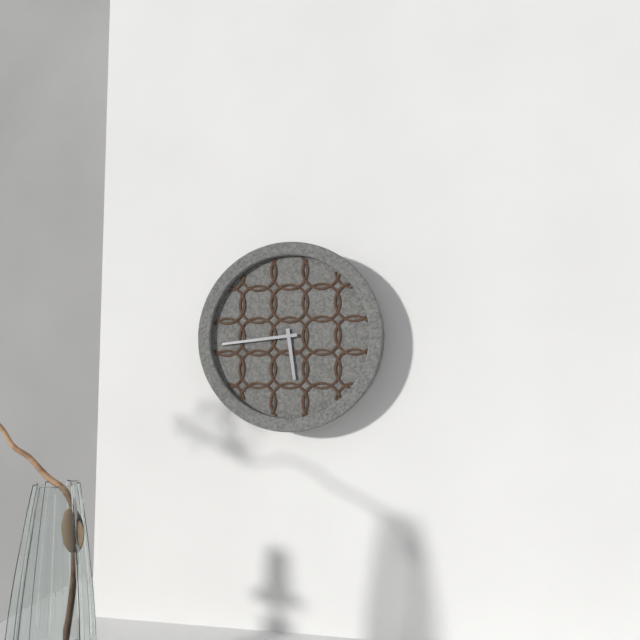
5:44
